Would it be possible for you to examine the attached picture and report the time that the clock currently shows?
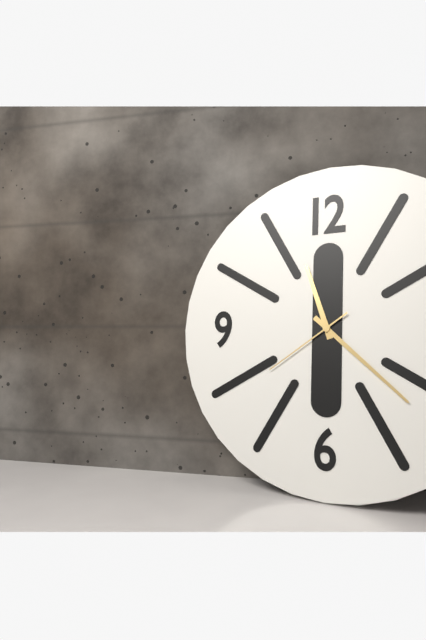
11:22:39
